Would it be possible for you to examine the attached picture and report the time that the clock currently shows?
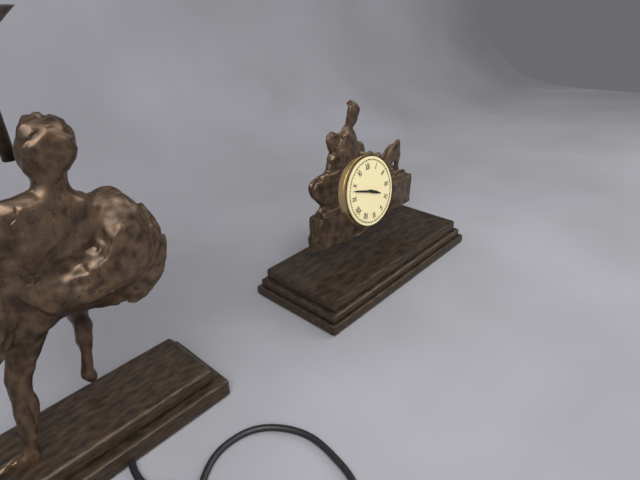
3:48
